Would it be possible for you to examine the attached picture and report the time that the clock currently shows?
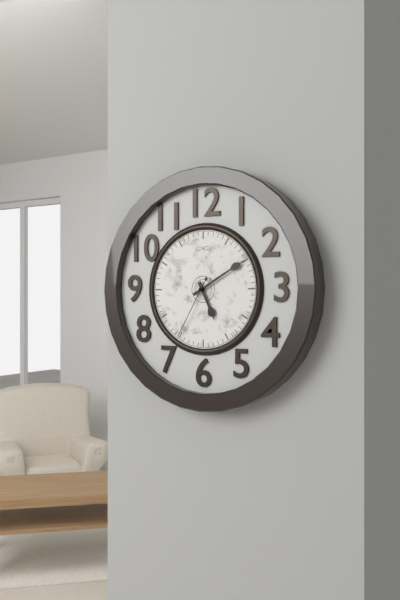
5:10:35
